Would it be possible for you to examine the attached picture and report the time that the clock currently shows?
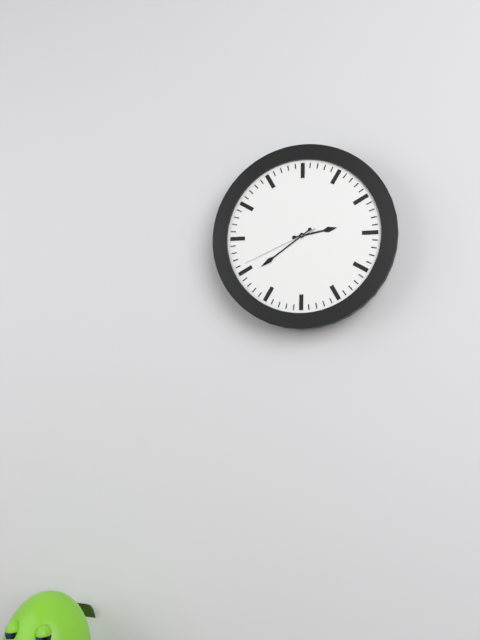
2:39:41
